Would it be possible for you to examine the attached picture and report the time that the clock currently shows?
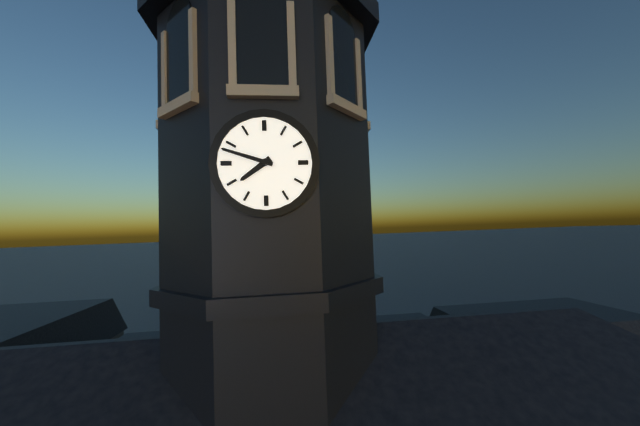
7:48
